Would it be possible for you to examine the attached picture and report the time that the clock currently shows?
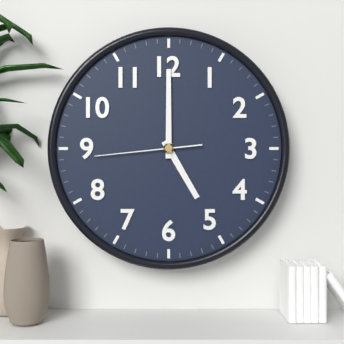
5:00:44
